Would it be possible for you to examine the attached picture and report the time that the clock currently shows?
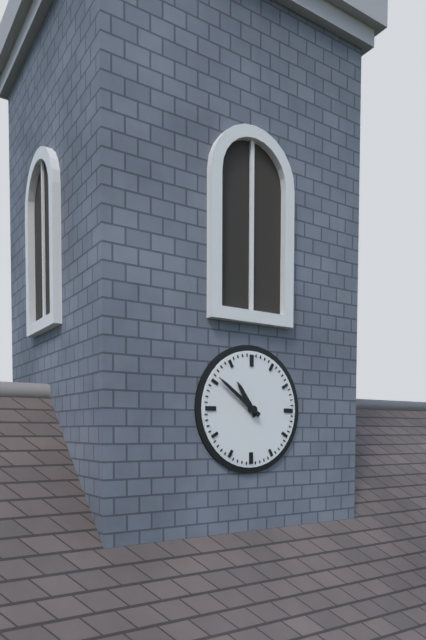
10:51
